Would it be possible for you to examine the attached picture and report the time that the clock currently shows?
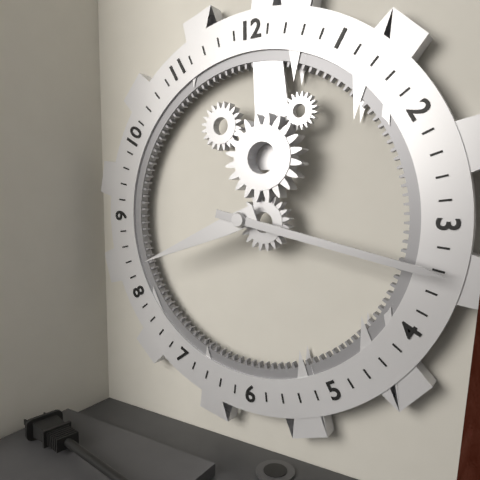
8:17
